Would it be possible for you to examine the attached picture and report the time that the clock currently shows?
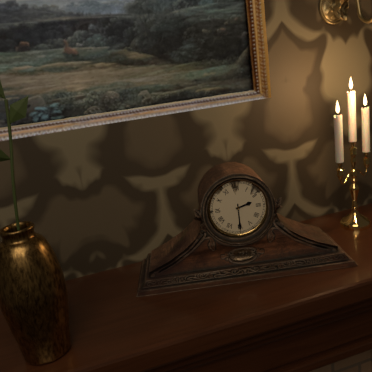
2:30
